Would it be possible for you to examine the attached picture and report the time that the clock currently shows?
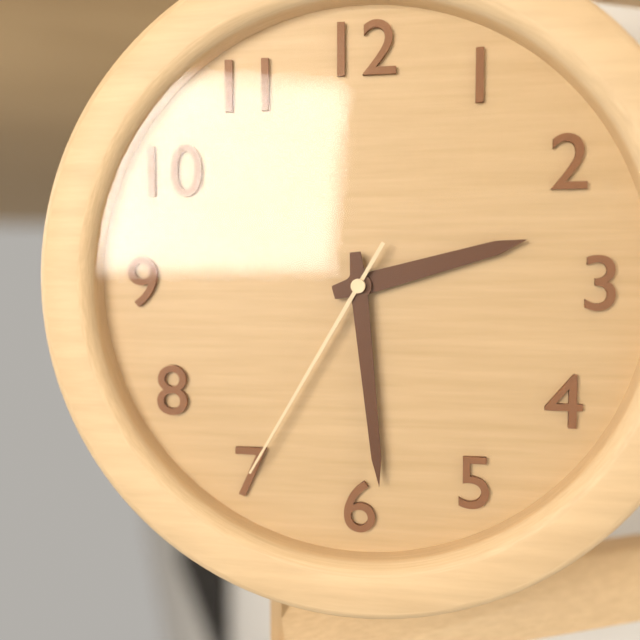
2:29:35
